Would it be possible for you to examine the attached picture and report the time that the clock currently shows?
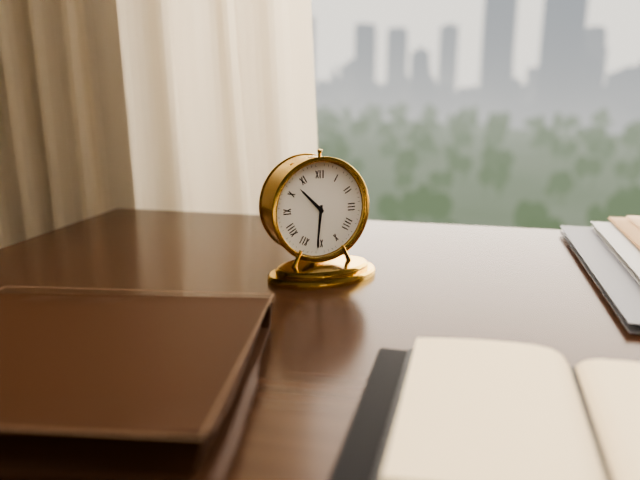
10:31
